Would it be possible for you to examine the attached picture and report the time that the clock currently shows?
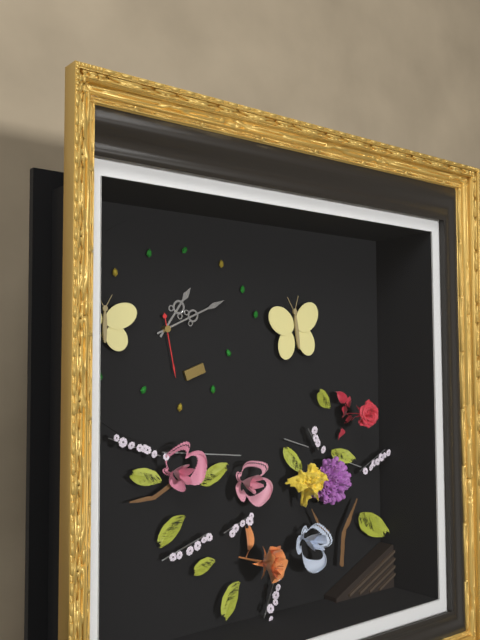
1:11:28
